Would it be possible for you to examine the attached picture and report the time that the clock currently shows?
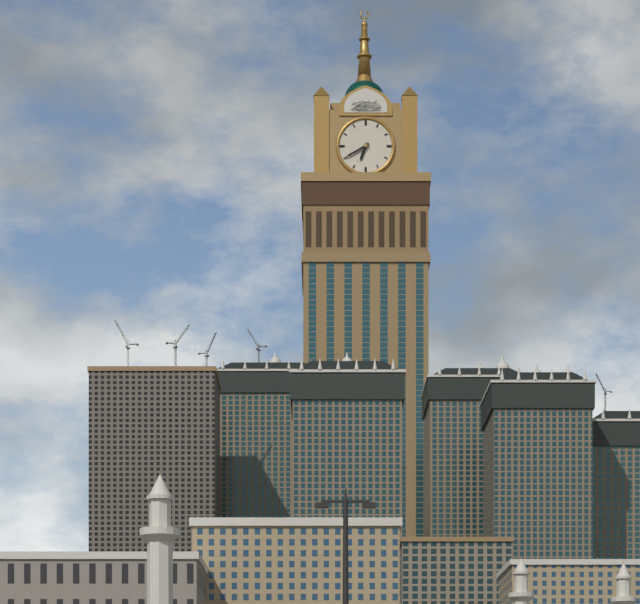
6:40
